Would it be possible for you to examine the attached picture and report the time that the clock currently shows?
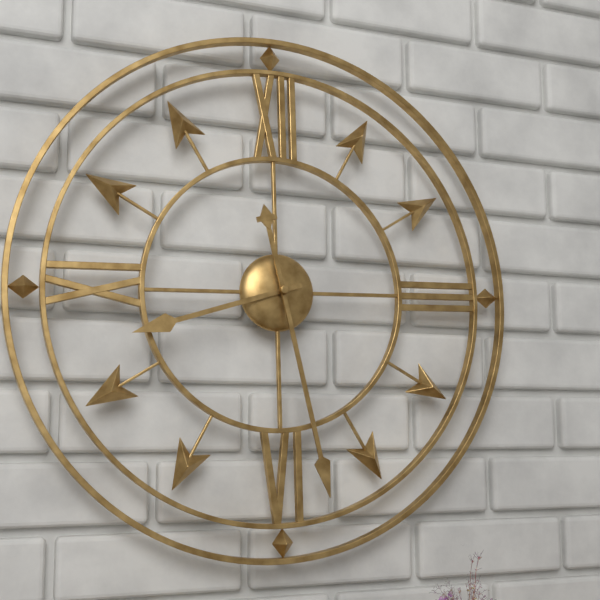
8:28
